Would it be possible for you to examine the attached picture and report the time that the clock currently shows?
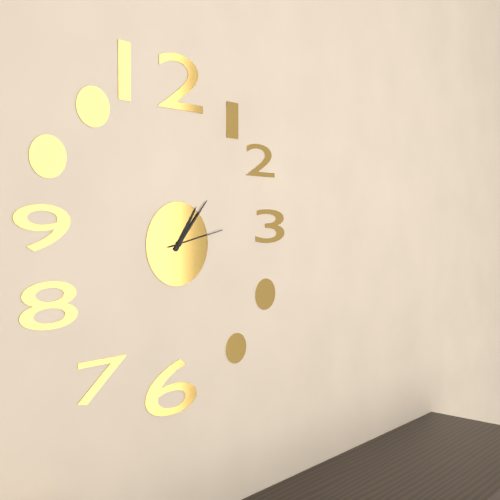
1:07:13
